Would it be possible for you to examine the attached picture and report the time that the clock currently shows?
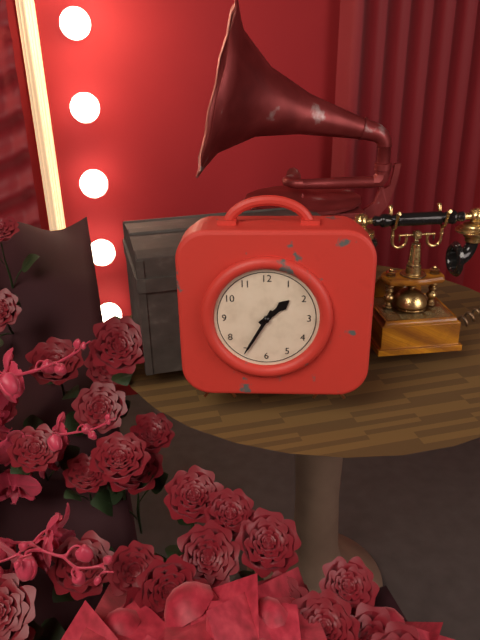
1:35
